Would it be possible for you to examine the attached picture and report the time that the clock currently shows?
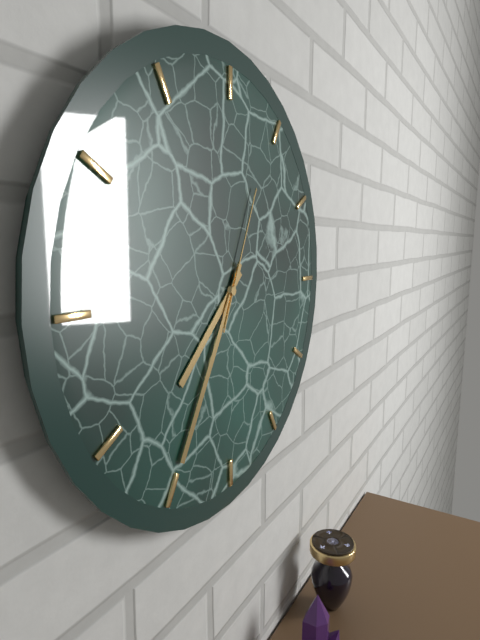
7:35:04
